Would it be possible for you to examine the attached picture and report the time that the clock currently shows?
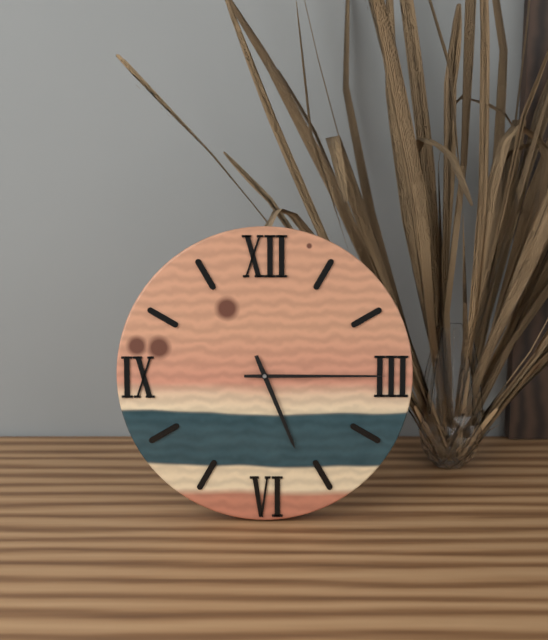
5:15
